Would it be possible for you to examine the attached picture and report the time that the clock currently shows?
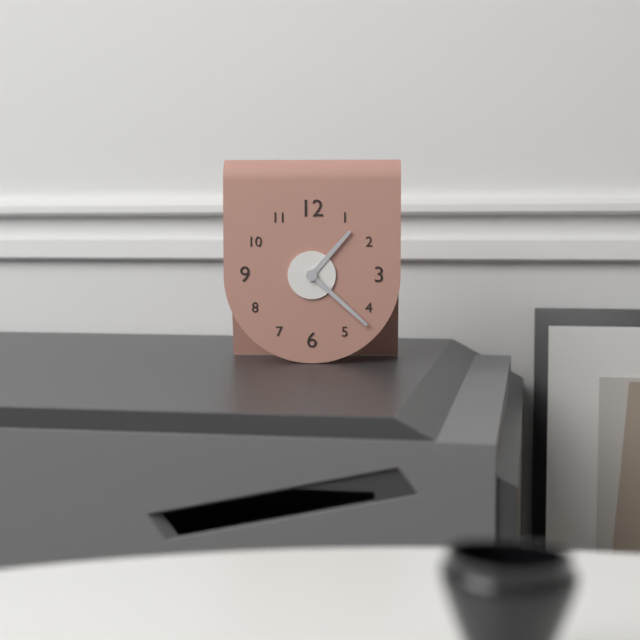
1:22
